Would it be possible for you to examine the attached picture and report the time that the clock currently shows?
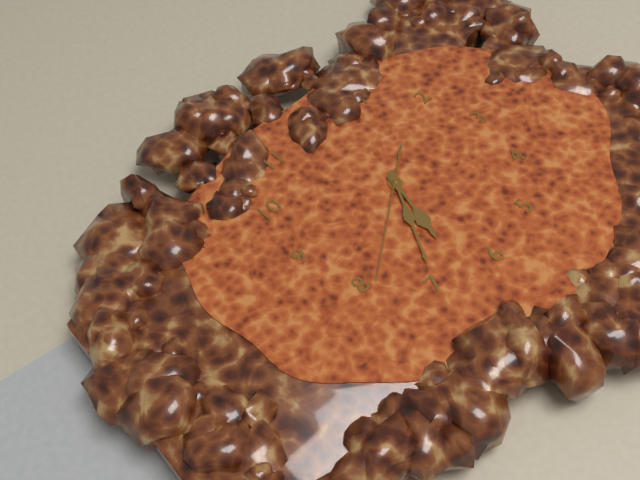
6:35:39
